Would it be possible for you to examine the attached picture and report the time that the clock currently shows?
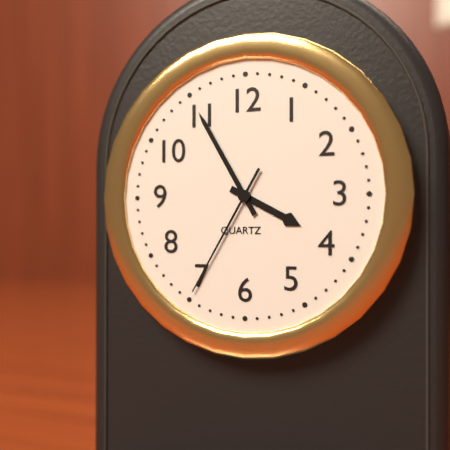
3:55:35
